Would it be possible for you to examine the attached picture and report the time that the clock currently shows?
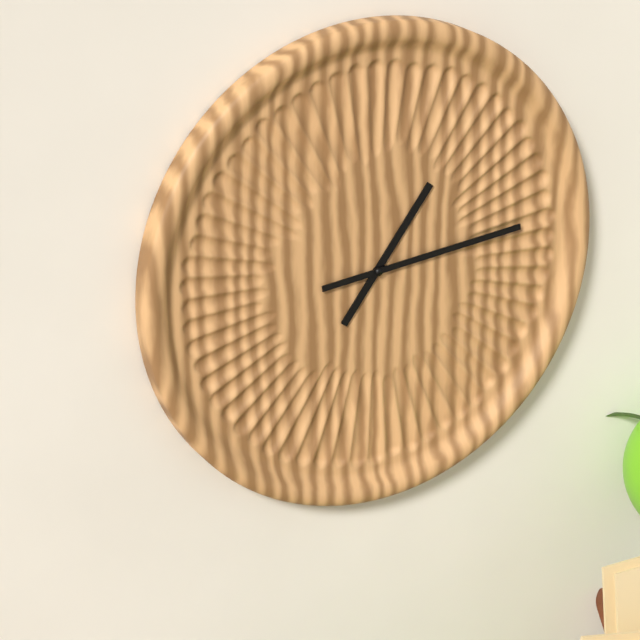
1:14
